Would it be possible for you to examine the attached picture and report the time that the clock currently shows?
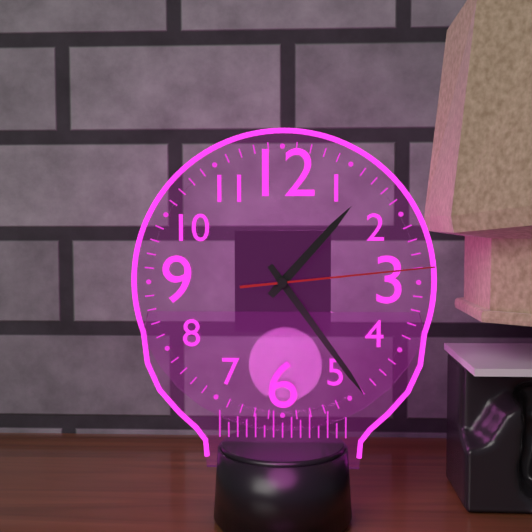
1:24:14
